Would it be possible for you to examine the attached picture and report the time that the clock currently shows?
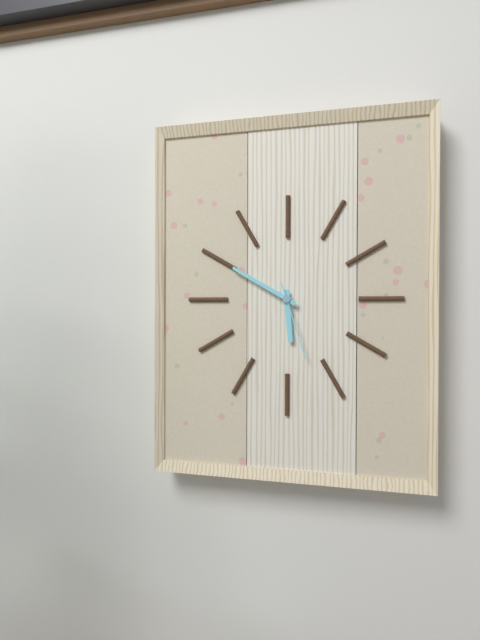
5:50:27
